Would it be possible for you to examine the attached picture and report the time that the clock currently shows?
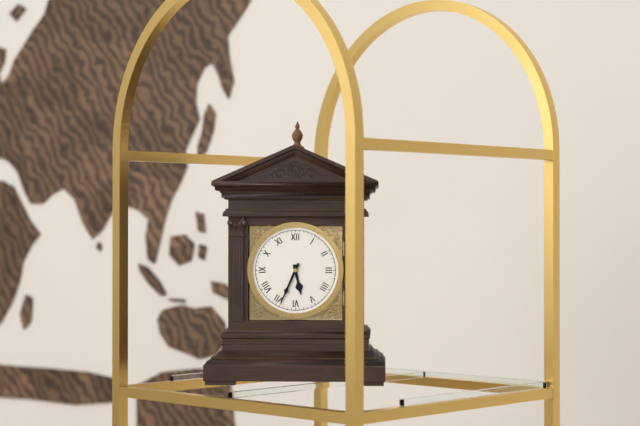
5:34
